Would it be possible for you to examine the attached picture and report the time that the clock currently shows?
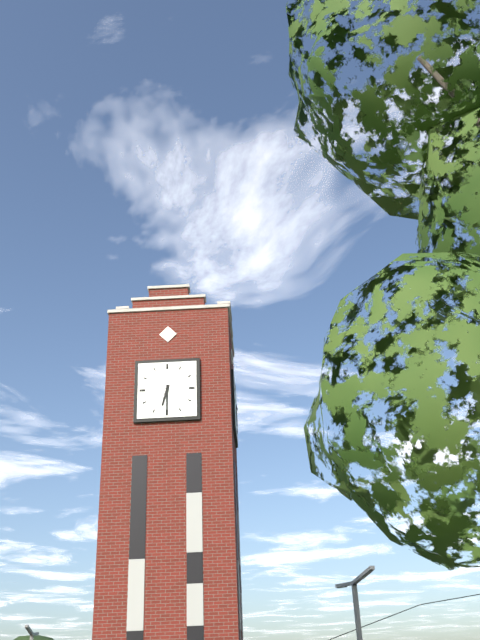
6:30
